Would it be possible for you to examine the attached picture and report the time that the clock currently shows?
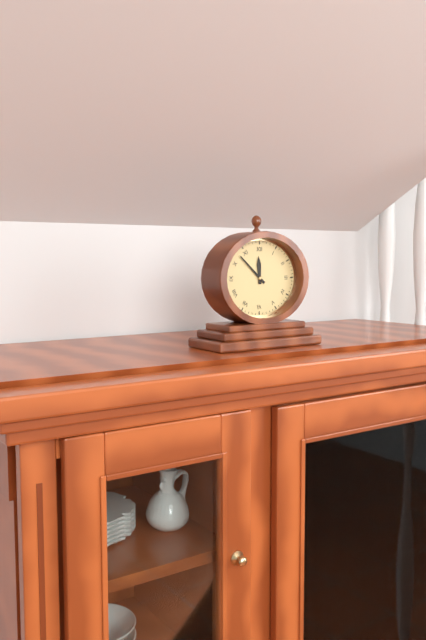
11:52
